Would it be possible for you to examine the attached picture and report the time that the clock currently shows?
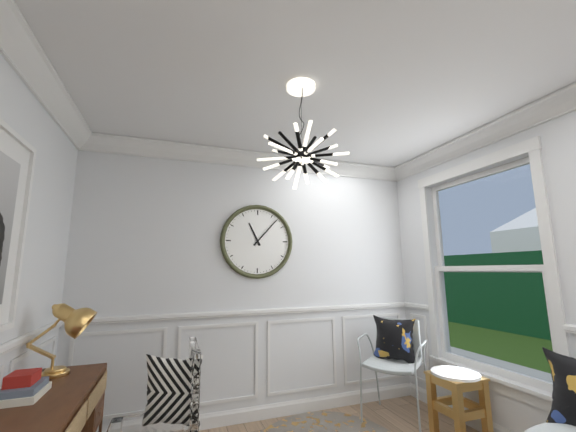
11:07
